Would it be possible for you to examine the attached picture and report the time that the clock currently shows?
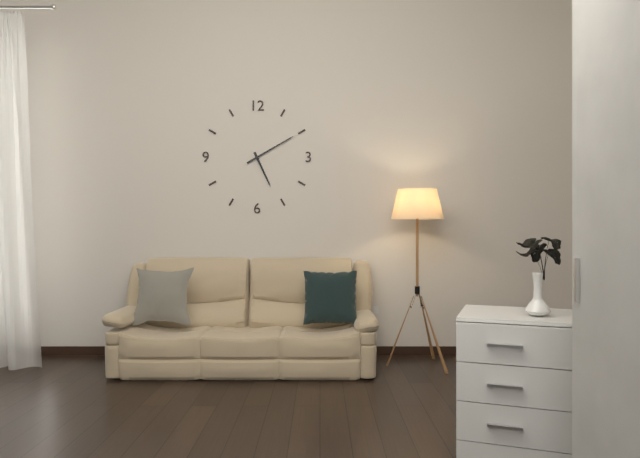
5:10
